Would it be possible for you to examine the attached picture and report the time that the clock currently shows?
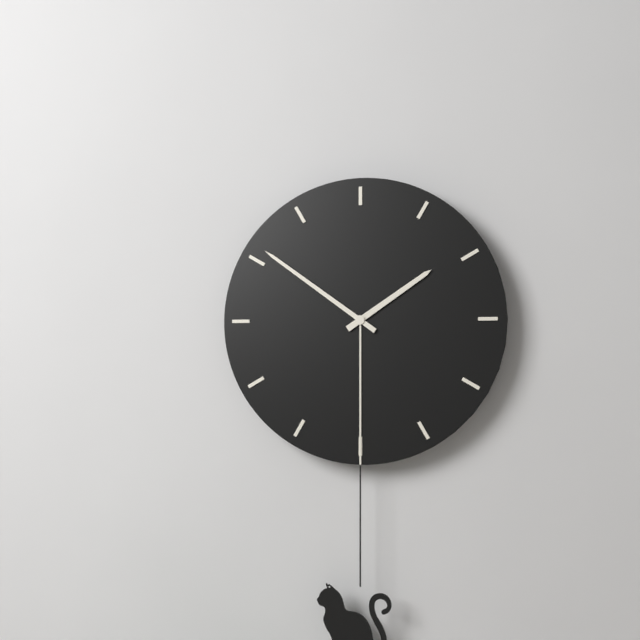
1:51
